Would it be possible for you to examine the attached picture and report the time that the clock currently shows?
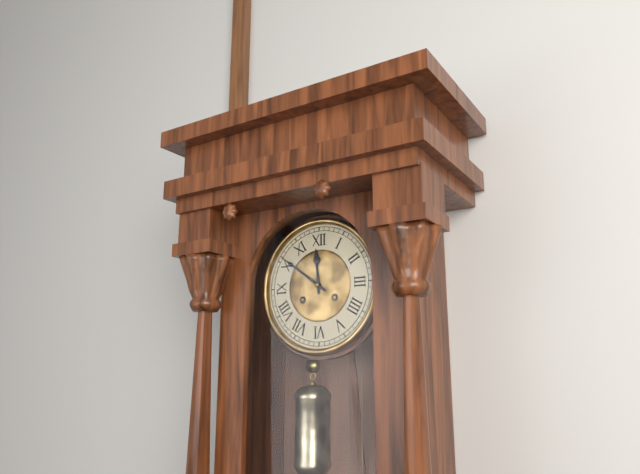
11:51
